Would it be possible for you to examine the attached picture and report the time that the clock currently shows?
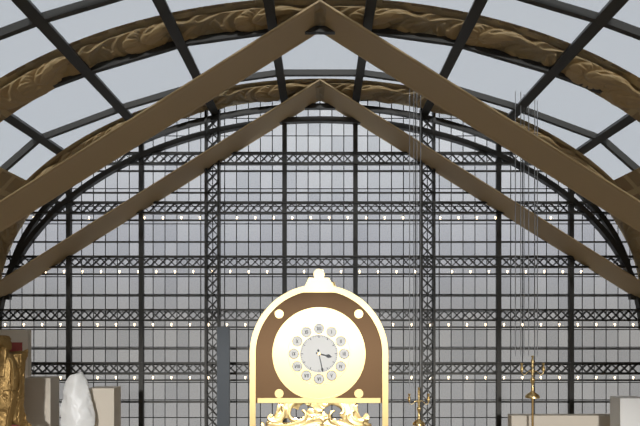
3:28
